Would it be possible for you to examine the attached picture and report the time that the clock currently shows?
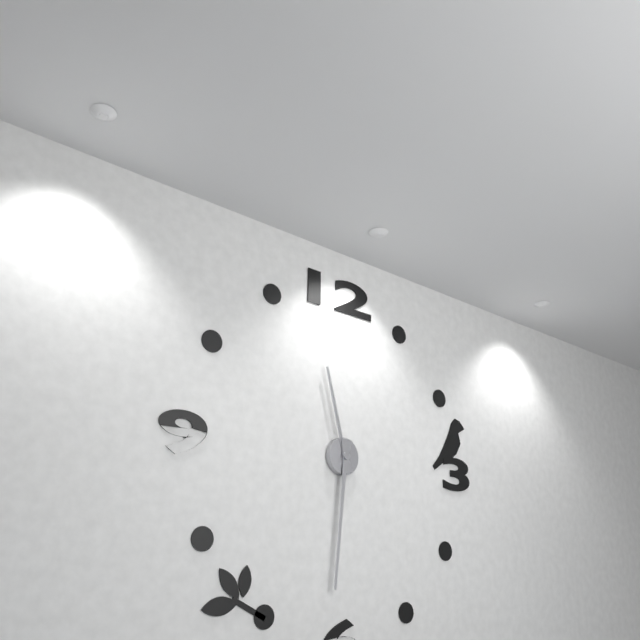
11:31
